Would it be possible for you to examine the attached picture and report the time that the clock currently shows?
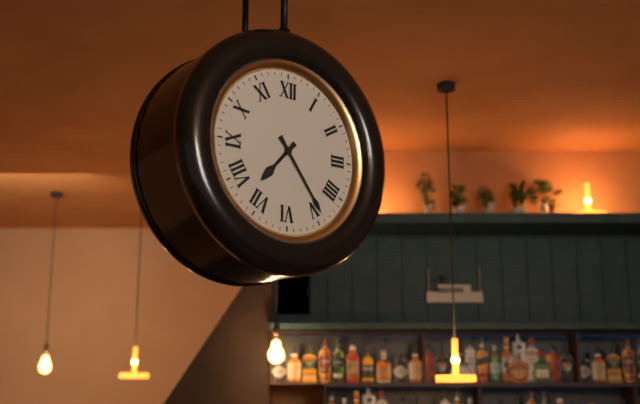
7:24
